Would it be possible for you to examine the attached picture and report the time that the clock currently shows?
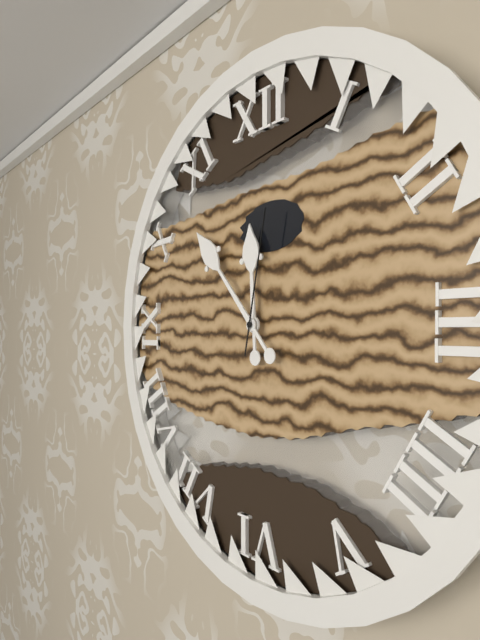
11:53:02
